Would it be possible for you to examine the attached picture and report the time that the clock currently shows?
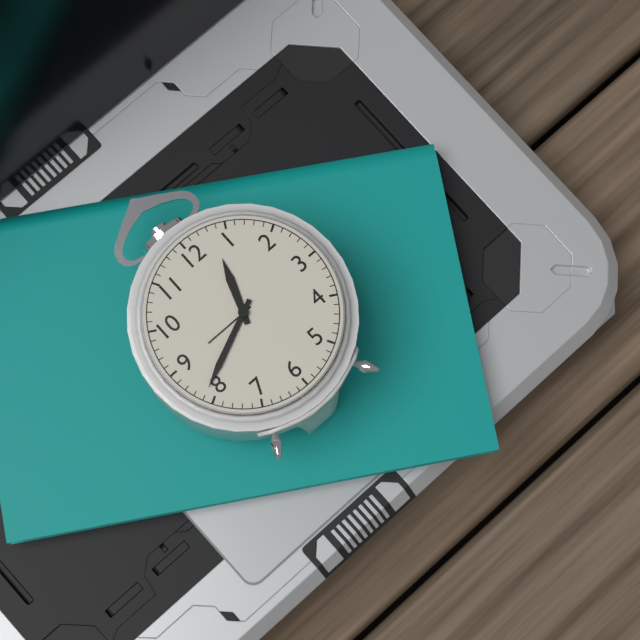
12:41
